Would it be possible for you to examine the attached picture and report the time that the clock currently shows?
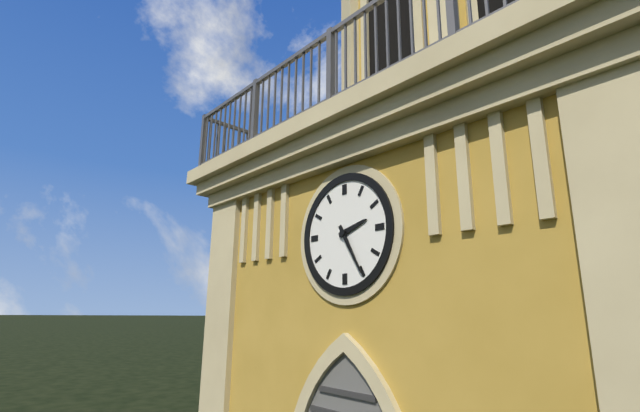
2:25
